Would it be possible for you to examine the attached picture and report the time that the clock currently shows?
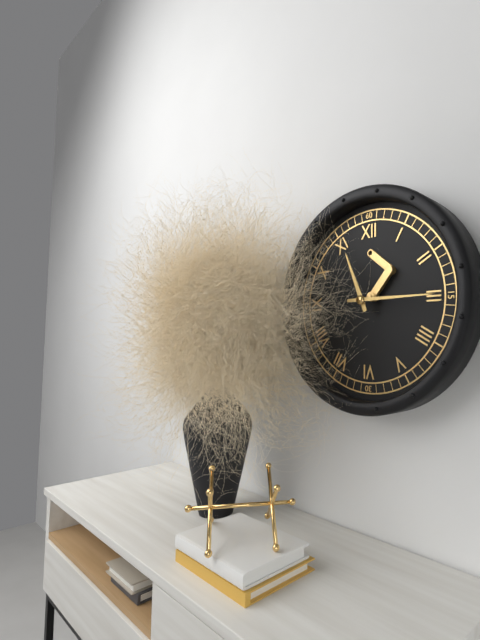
11:15
